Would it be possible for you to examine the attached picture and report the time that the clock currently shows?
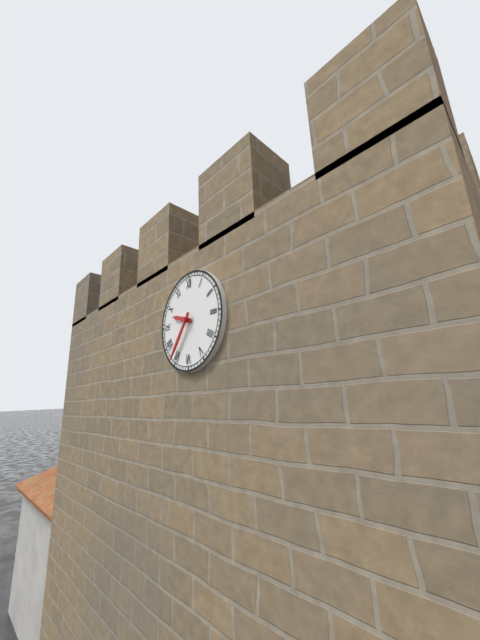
9:36
